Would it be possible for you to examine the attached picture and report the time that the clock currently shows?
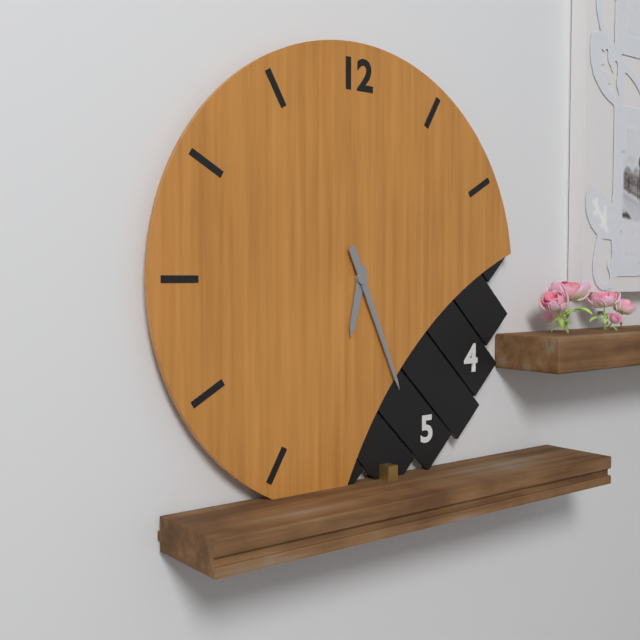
6:26
